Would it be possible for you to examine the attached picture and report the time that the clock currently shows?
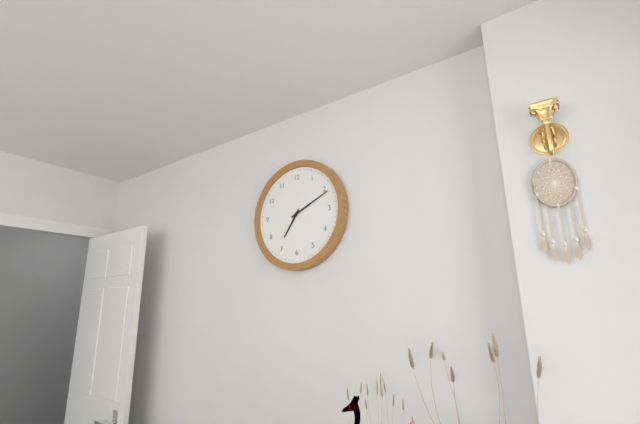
7:11
